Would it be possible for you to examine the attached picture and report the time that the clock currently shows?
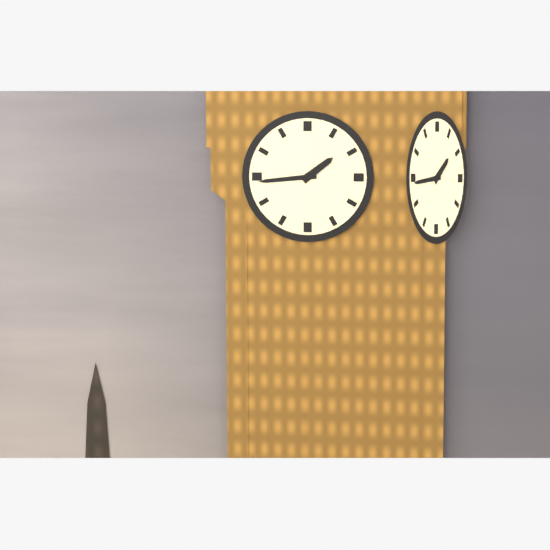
1:44
